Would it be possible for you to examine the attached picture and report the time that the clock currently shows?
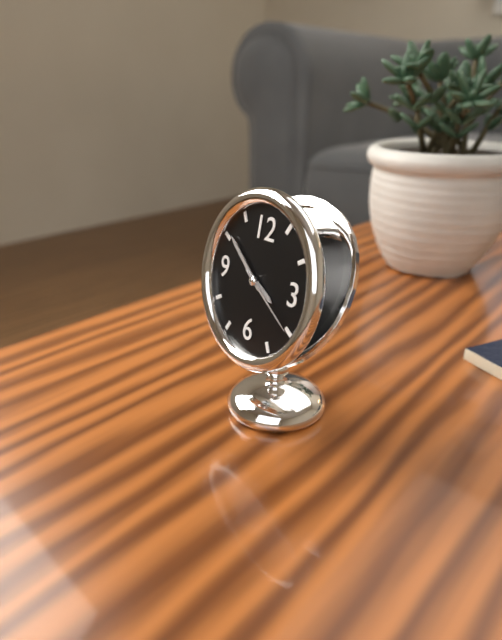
3:51:20
